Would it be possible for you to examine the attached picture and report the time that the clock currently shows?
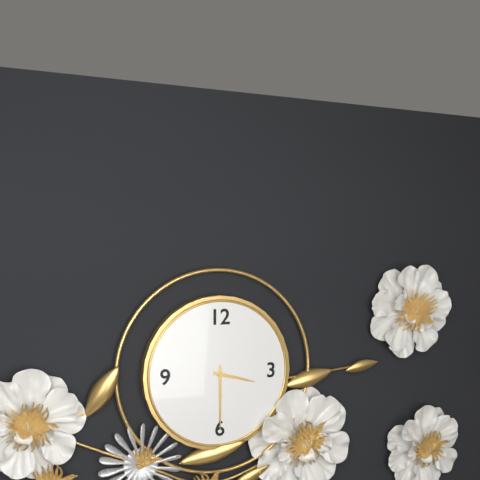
3:30
